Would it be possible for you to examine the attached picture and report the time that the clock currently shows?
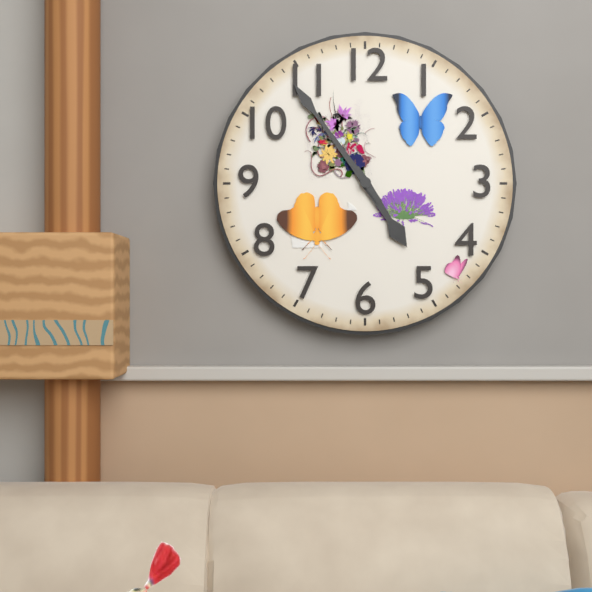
4:54
